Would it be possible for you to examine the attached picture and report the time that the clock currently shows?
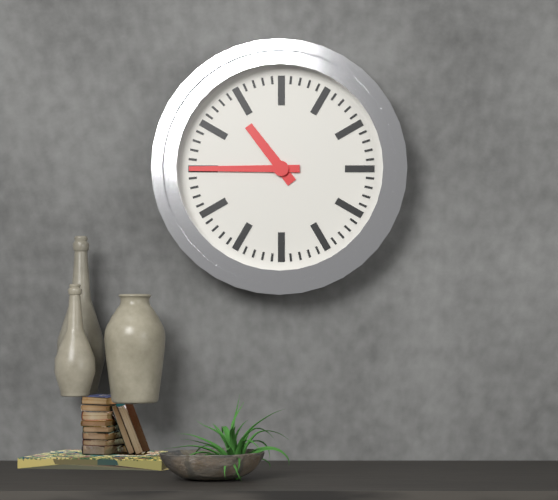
10:45
